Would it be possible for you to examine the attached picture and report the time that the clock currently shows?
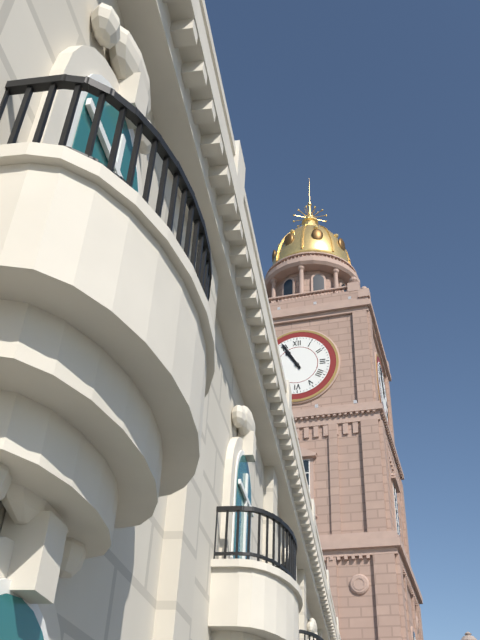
10:55
